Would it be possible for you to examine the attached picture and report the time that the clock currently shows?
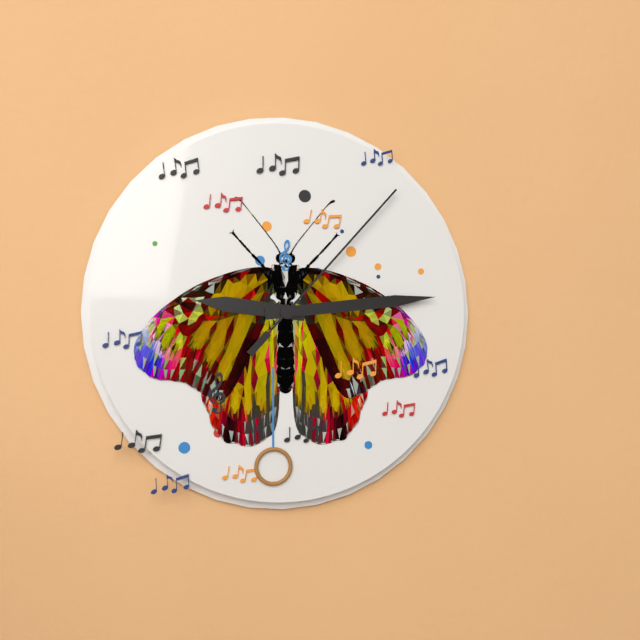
9:14:07
